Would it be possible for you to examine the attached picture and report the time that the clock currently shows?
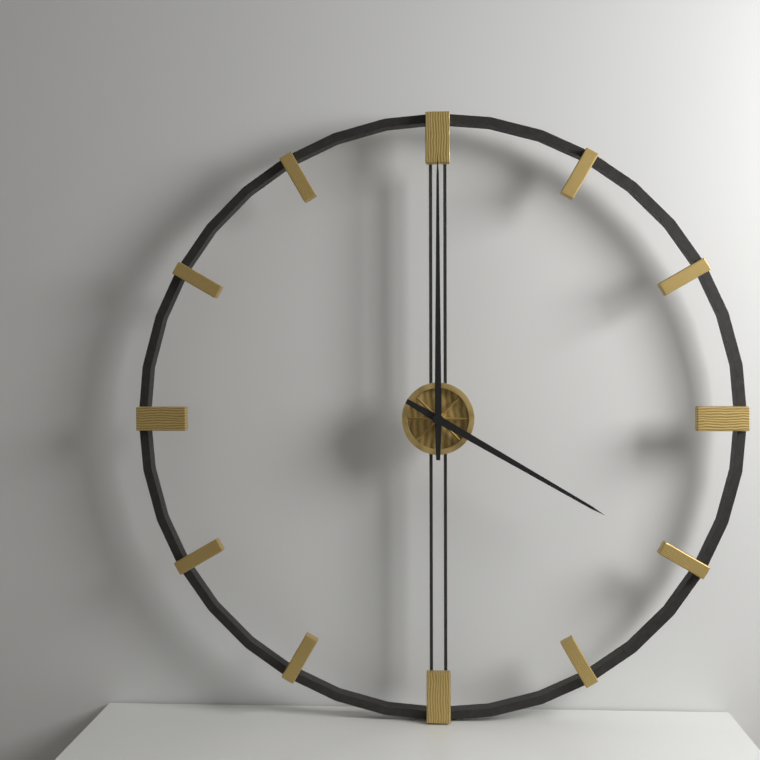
4:00
